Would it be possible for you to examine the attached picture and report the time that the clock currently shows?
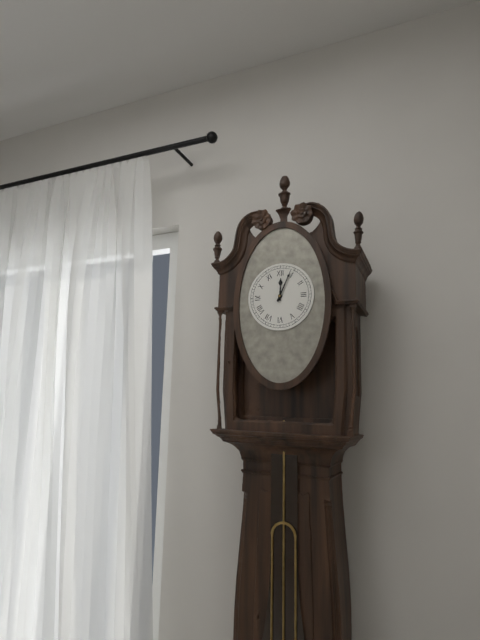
12:04
